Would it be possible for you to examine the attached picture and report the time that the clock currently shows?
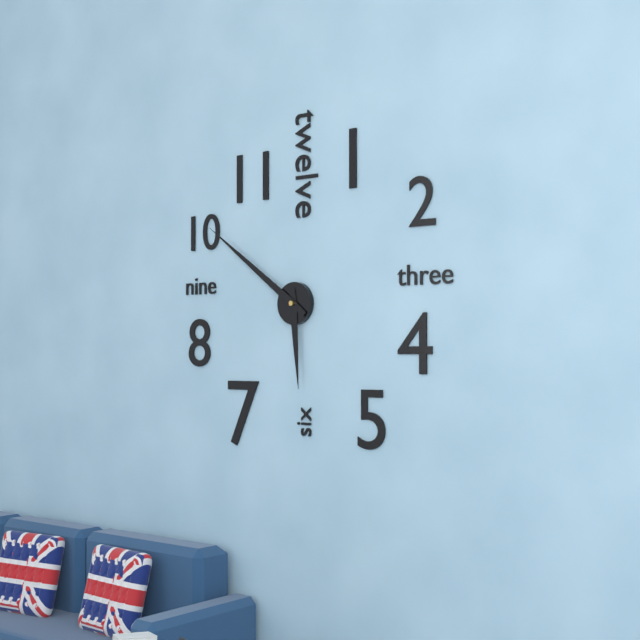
5:51
